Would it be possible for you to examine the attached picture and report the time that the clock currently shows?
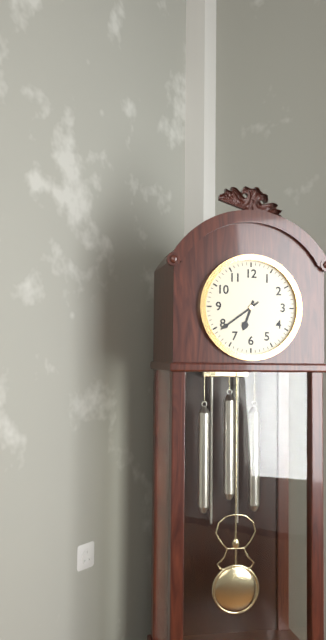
6:39
